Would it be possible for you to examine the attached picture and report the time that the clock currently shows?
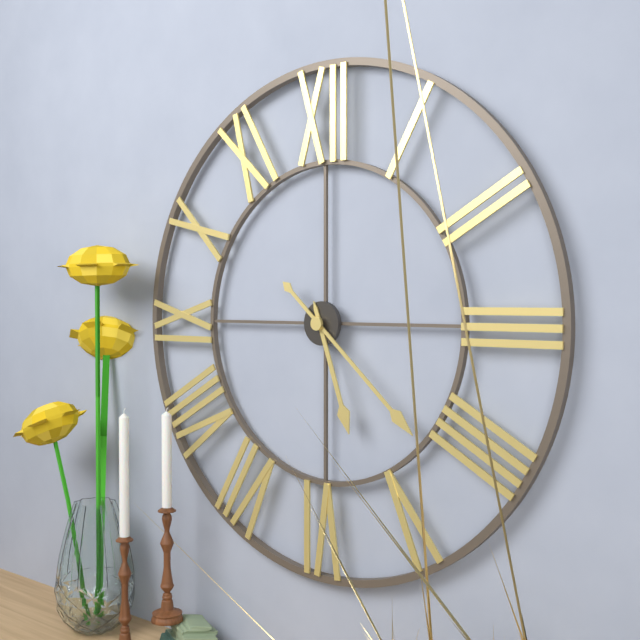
5:22
